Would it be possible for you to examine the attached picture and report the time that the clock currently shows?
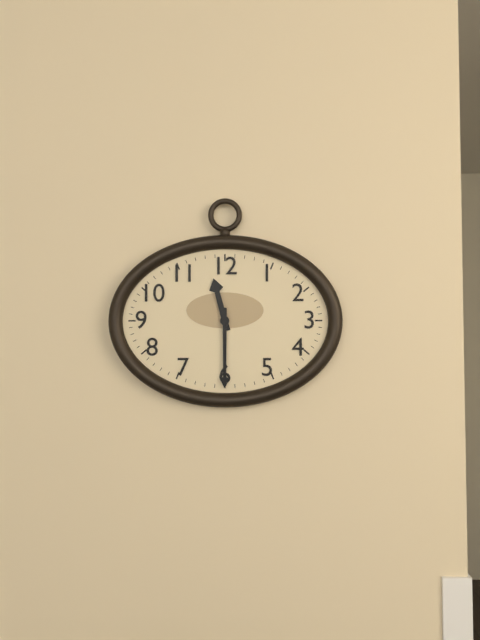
11:30
